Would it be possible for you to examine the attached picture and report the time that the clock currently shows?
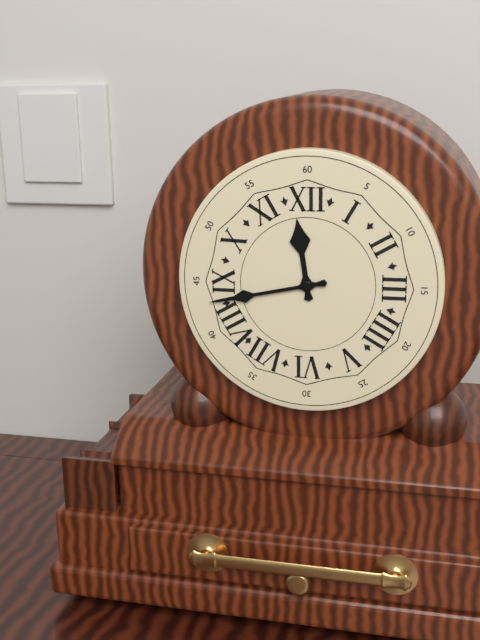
11:43
